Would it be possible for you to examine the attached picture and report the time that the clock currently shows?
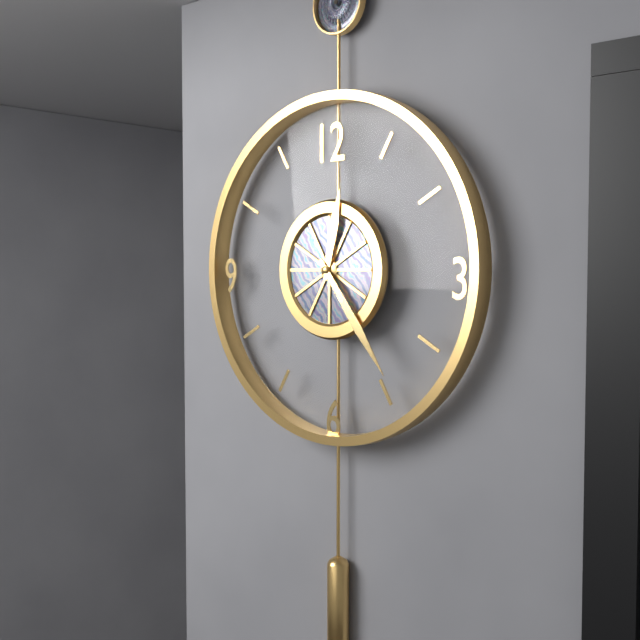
12:24
